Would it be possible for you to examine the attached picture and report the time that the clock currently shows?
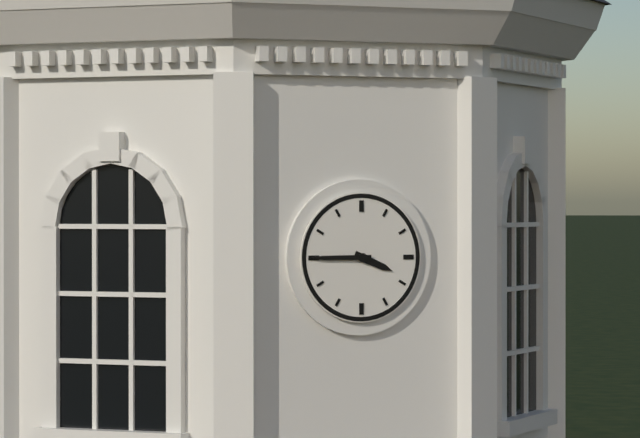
3:45
